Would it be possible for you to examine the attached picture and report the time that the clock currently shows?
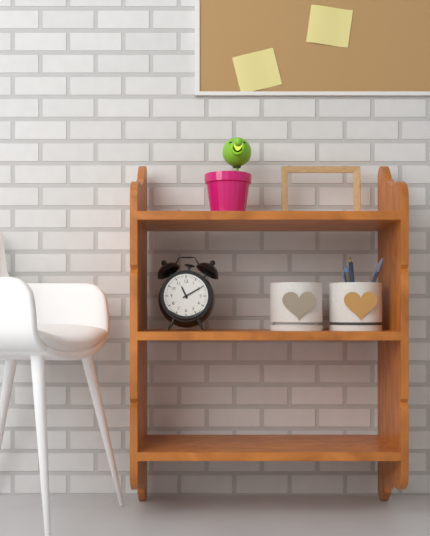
11:10
